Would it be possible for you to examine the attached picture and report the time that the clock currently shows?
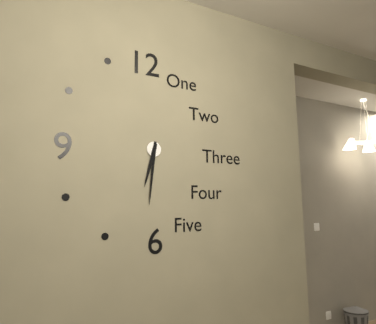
6:31
